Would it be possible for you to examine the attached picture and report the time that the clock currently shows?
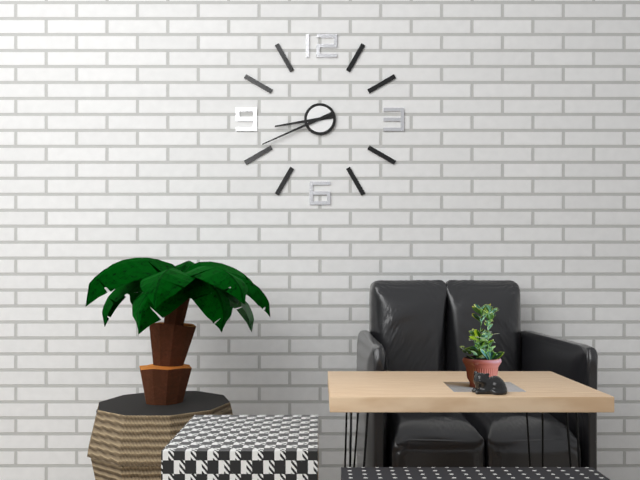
8:41
